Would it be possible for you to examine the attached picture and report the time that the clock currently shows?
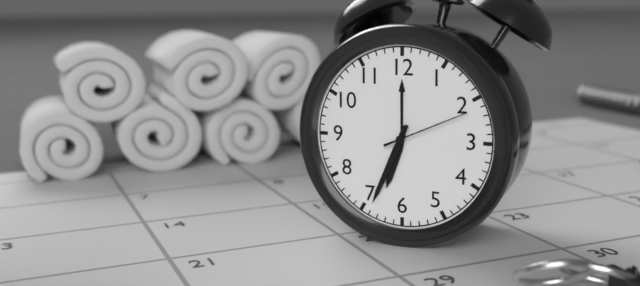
6:34:11
